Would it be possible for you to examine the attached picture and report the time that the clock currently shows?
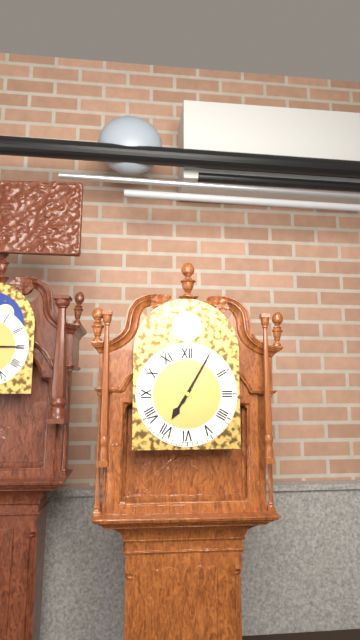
7:05
